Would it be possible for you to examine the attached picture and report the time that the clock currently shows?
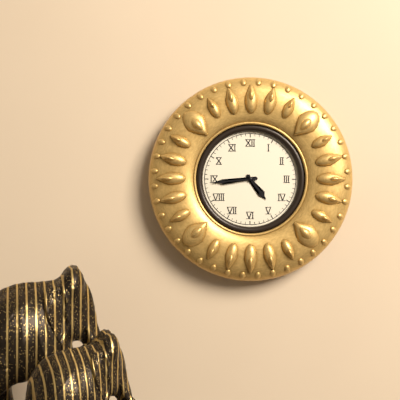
4:44
